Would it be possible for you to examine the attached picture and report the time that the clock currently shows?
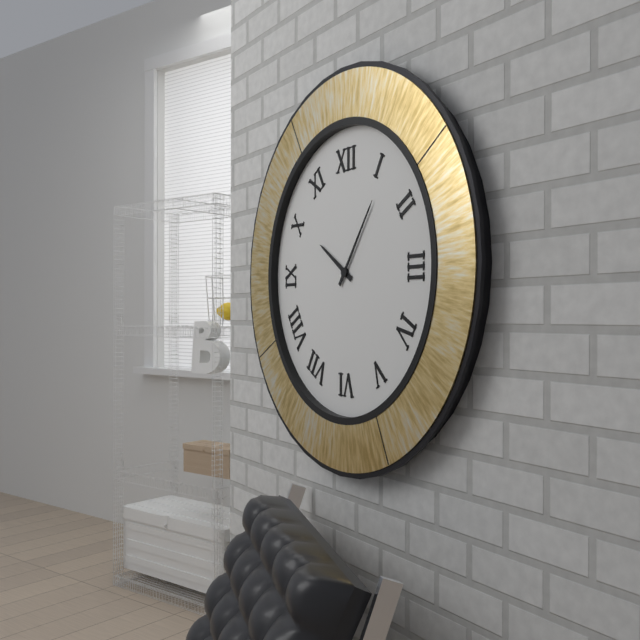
10:06
